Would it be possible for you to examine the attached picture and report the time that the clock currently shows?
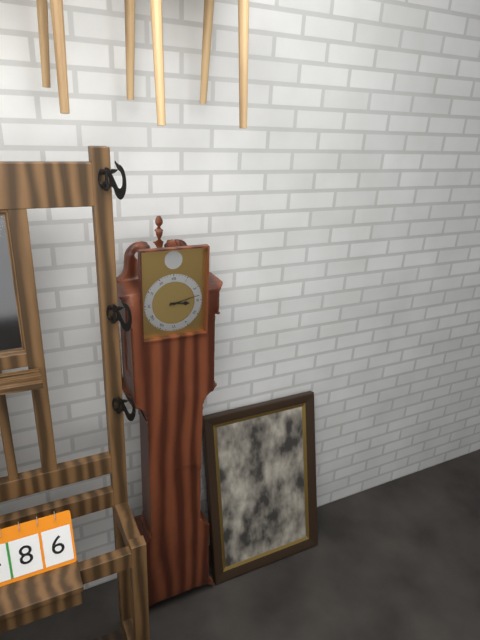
3:13
